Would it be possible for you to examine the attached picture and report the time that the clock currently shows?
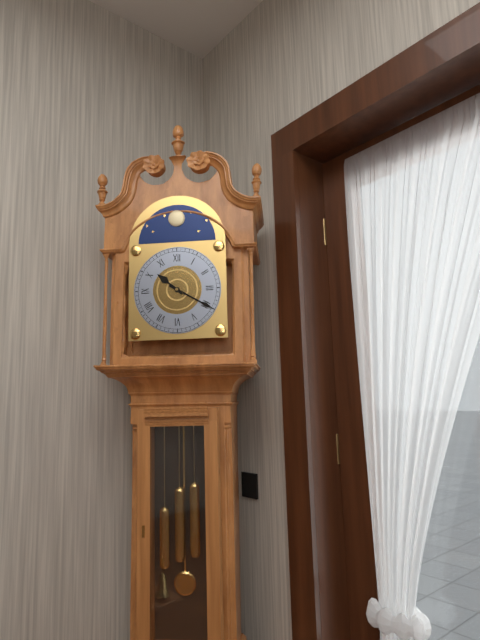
10:20
